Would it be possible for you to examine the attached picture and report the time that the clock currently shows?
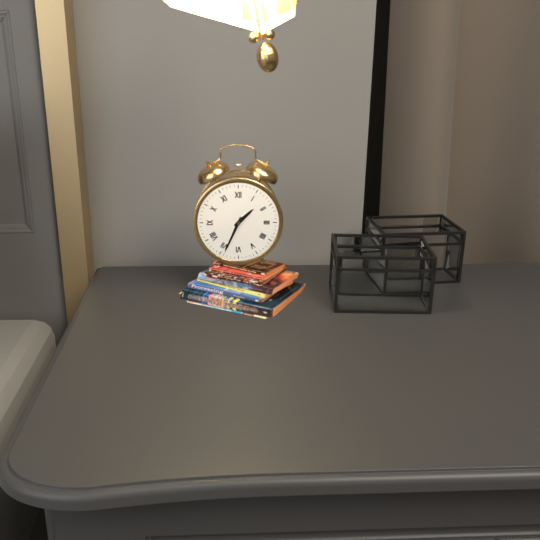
1:34
